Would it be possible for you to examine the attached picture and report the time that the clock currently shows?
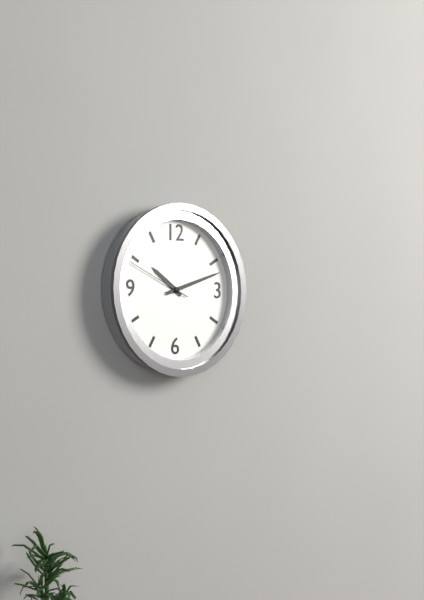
10:12:49
